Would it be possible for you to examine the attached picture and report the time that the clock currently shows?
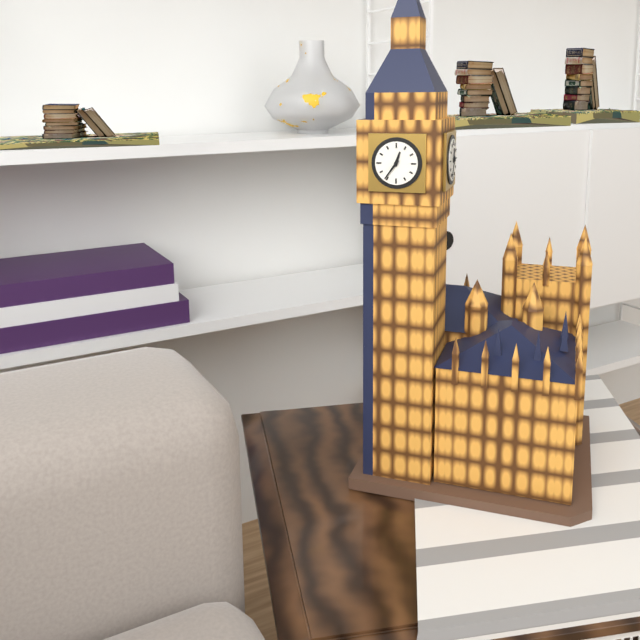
12:36
